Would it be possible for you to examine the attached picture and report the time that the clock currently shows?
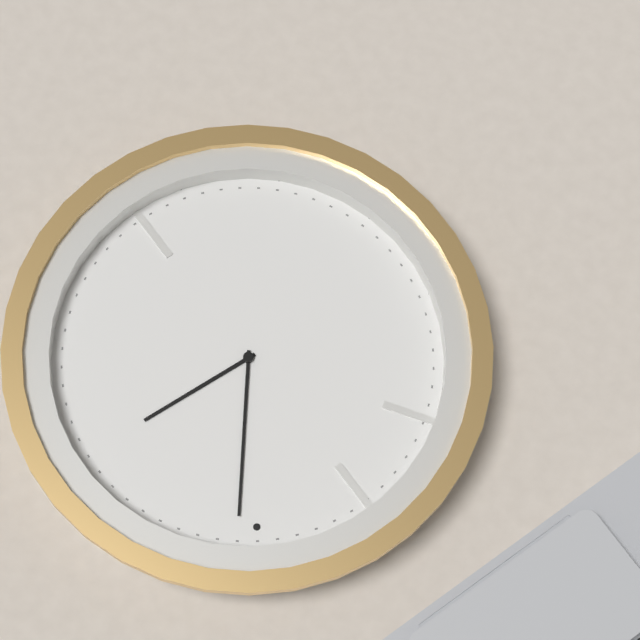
2:01
